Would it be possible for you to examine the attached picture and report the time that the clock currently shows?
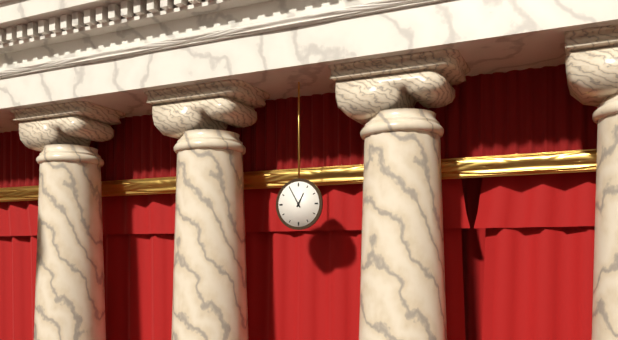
12:55
